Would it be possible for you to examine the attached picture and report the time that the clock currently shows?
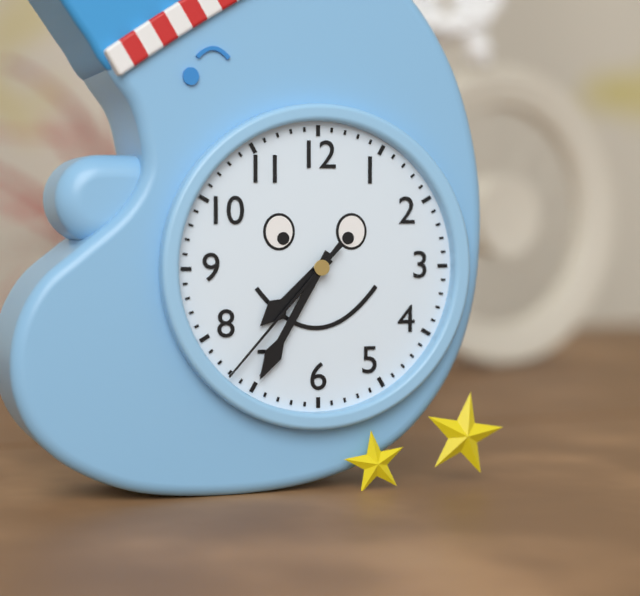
7:35:37
